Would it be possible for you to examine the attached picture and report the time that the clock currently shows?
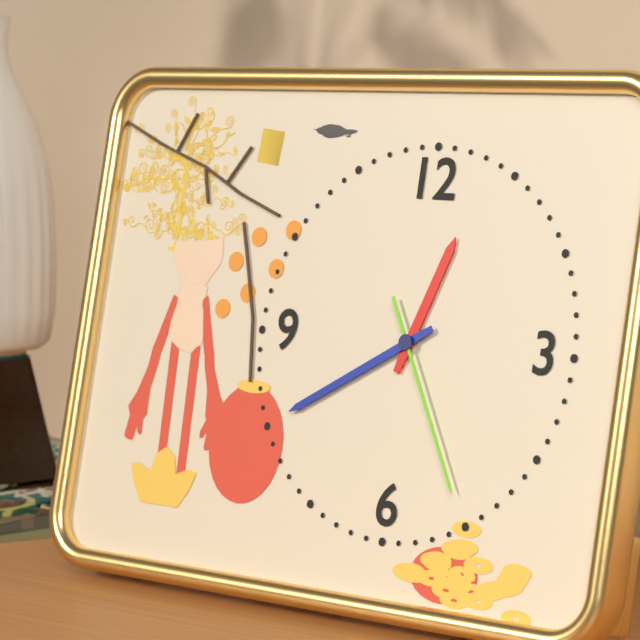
12:40:25
